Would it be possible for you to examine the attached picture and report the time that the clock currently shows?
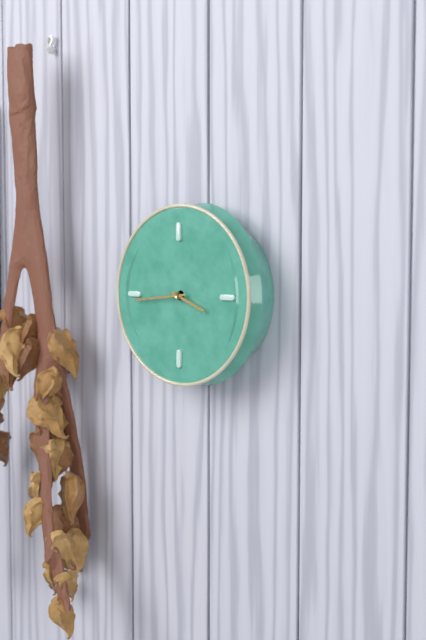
3:44
